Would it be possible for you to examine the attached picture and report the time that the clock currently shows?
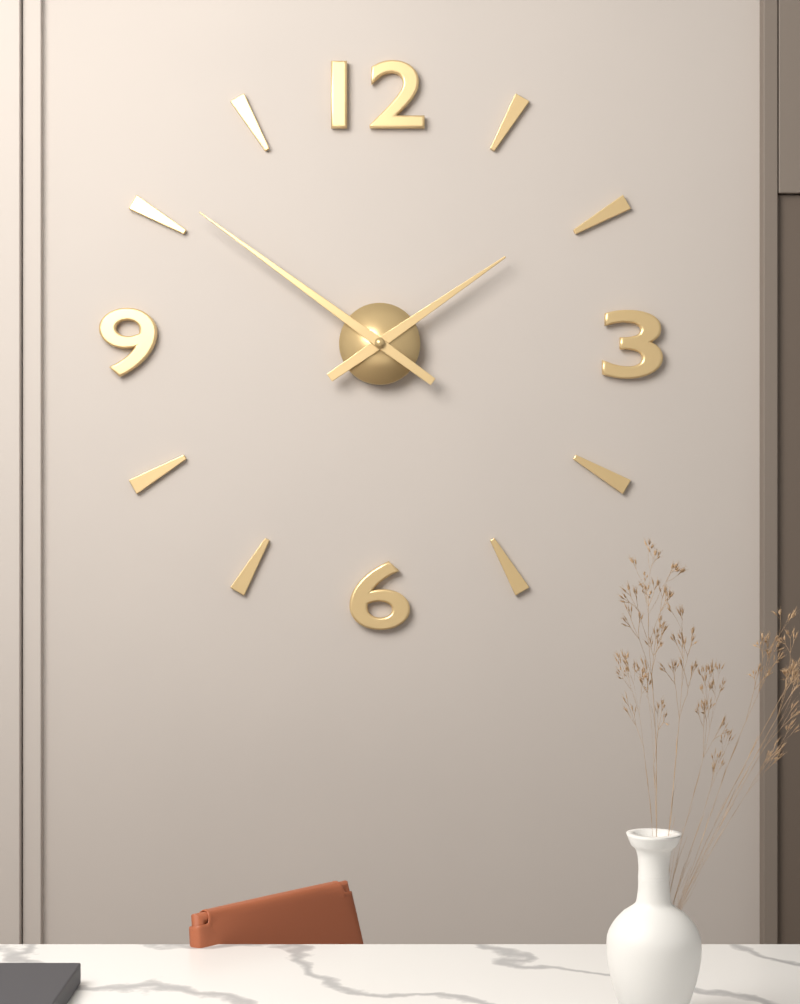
1:51
